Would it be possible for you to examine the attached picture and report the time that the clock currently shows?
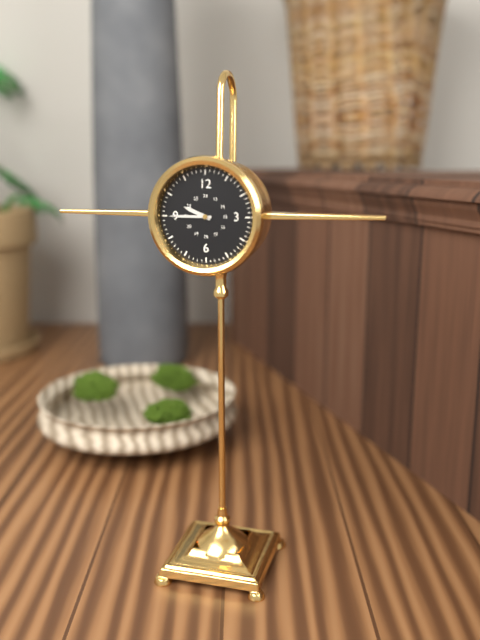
9:45
